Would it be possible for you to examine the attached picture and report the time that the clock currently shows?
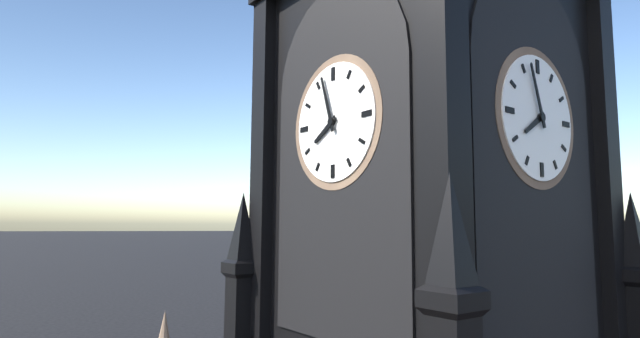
7:57
